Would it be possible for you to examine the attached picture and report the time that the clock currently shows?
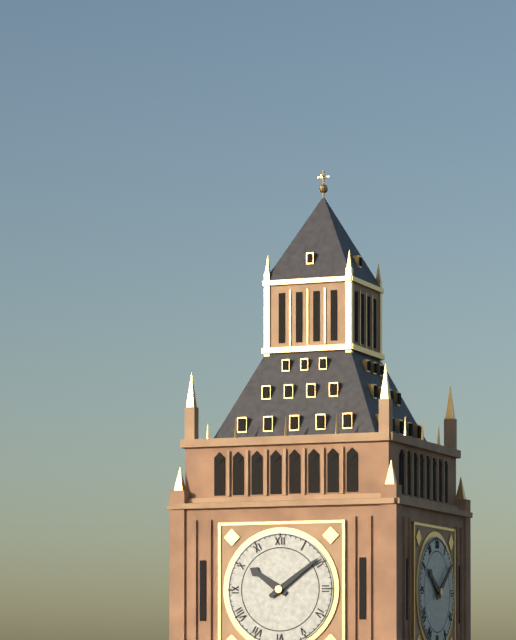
10:09
